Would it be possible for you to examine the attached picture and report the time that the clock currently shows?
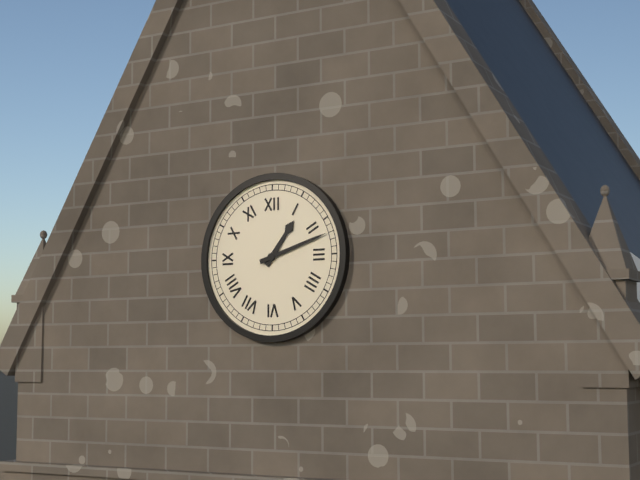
1:12
